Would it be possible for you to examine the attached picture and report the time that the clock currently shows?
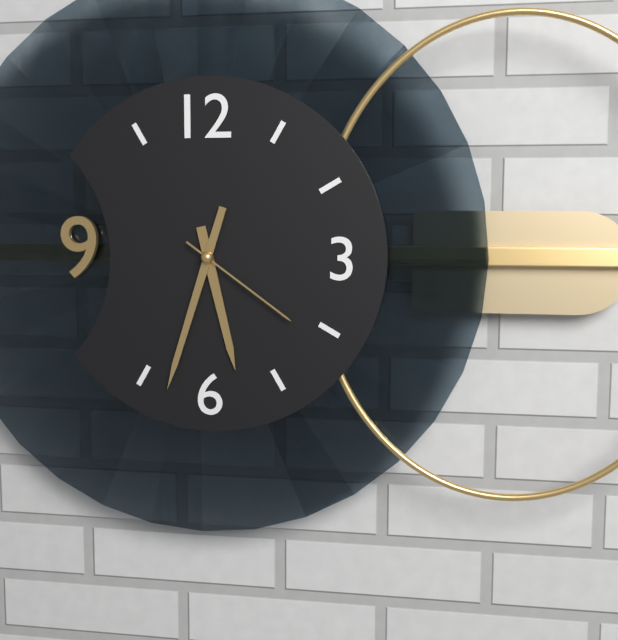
5:33:21
